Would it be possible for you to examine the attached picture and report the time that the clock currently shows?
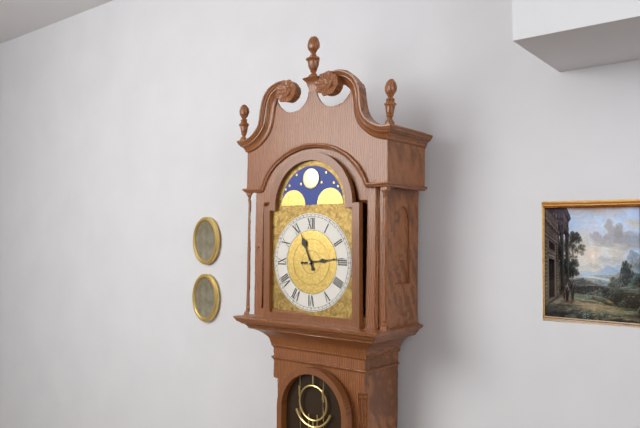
11:14
